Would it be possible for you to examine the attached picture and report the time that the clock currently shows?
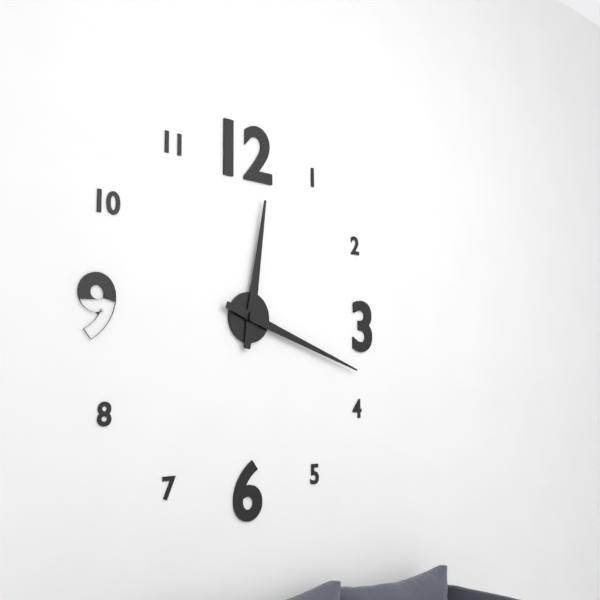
12:18
